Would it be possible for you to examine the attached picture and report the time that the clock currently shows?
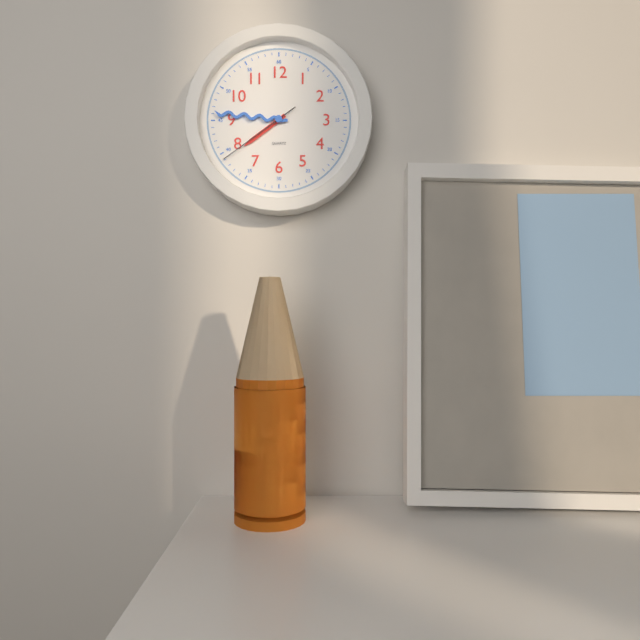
7:46:39
